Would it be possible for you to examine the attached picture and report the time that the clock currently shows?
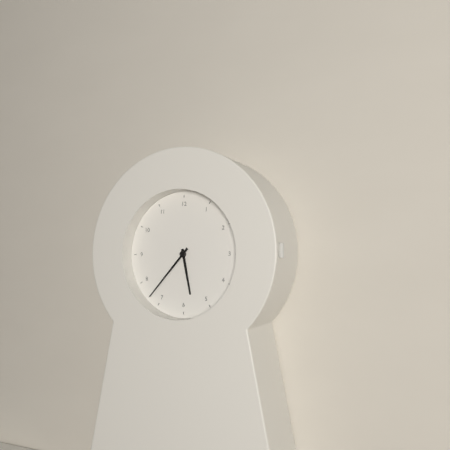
5:37
